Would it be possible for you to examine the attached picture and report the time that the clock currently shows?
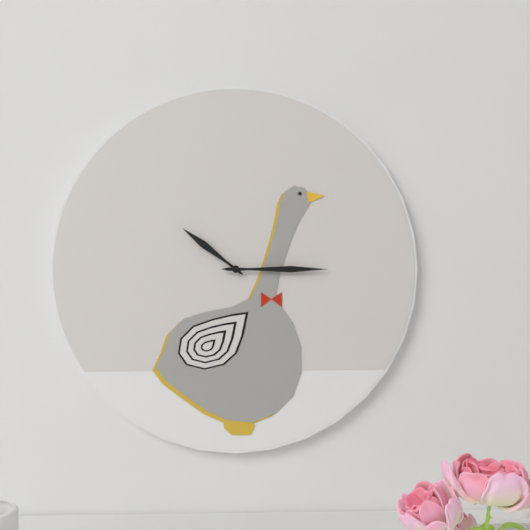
10:15
